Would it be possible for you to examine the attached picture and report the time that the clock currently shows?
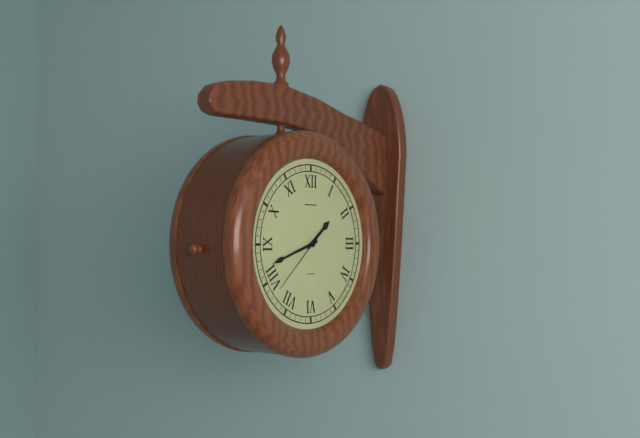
1:42:38
